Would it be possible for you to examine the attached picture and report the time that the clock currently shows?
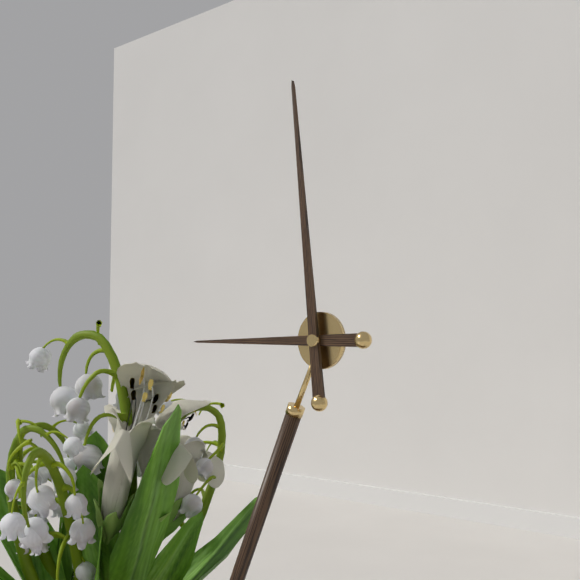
8:59
